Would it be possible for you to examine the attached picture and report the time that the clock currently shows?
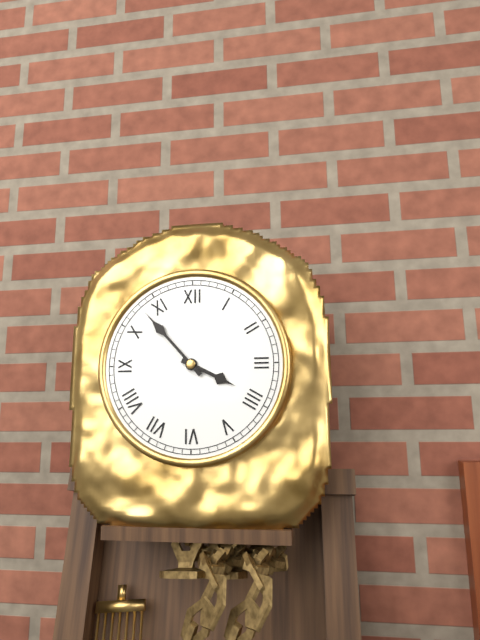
3:53
